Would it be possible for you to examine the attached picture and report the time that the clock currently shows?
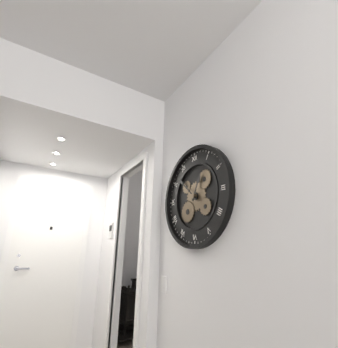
12:52
